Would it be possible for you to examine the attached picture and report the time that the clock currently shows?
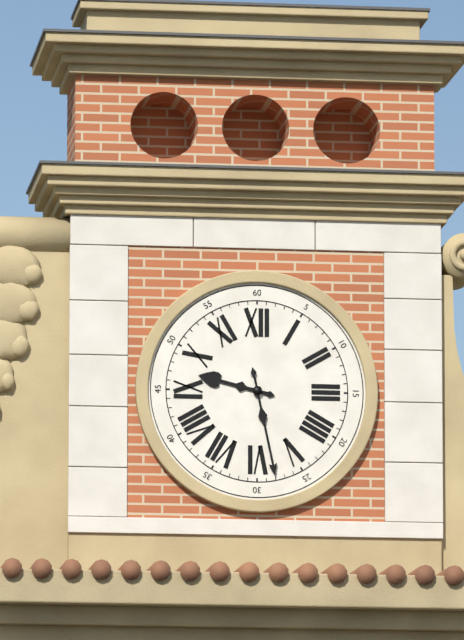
9:28
